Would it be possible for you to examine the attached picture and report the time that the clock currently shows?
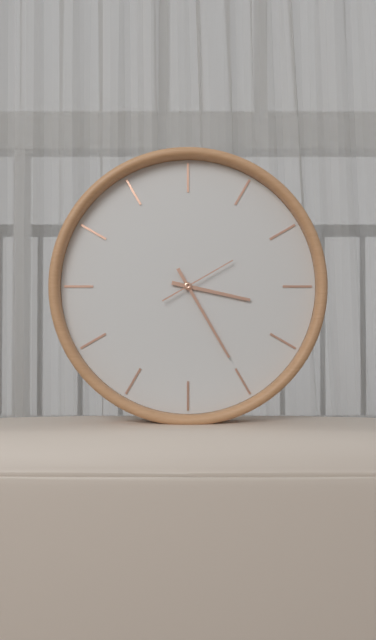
3:25:10
